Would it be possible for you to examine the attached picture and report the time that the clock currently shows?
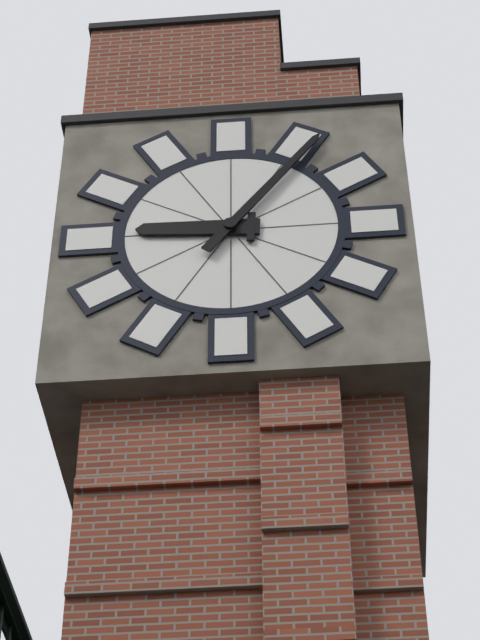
9:06
